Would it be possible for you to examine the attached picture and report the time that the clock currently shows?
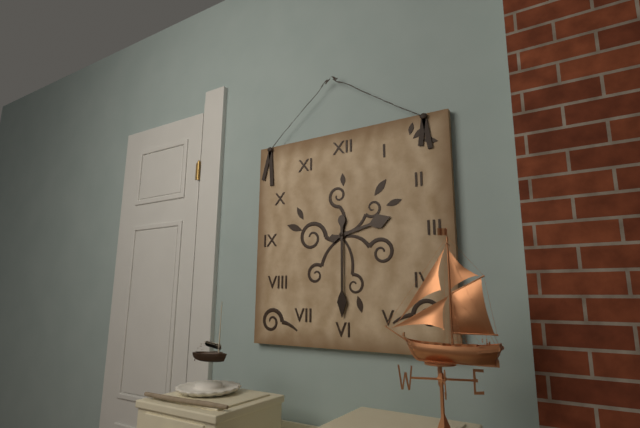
2:30
